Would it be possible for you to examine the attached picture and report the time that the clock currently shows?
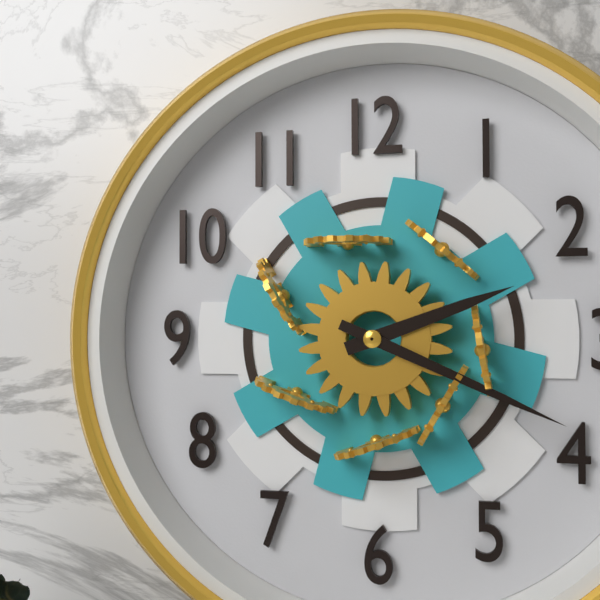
2:19
